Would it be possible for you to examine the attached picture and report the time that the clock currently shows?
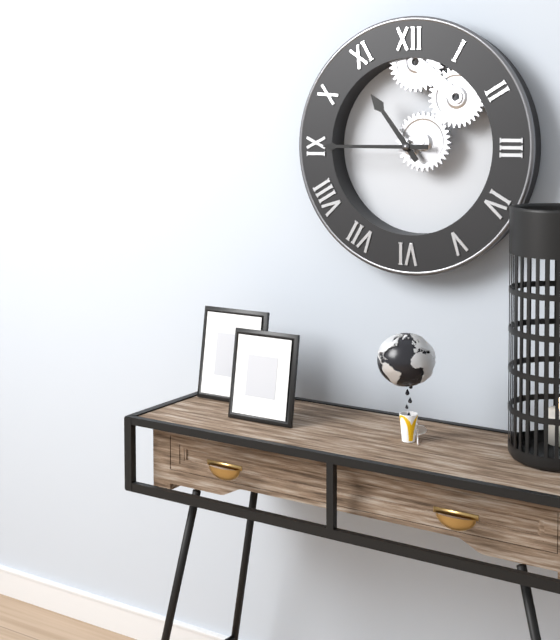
10:45
